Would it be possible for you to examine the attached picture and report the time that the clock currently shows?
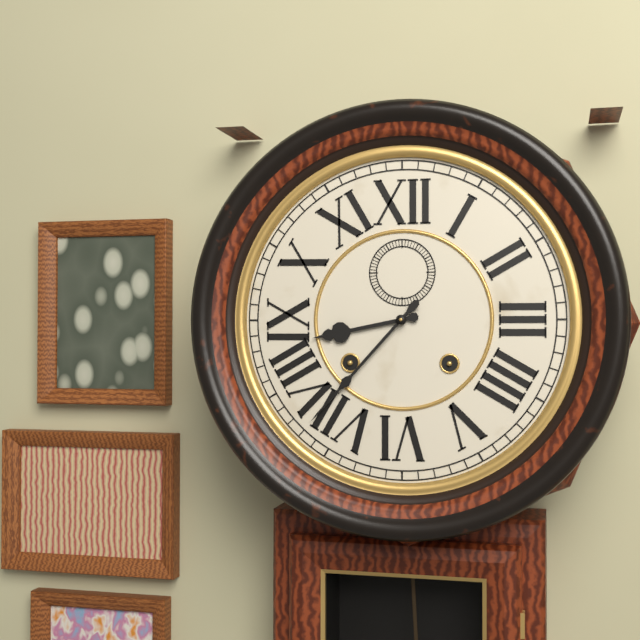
8:37
